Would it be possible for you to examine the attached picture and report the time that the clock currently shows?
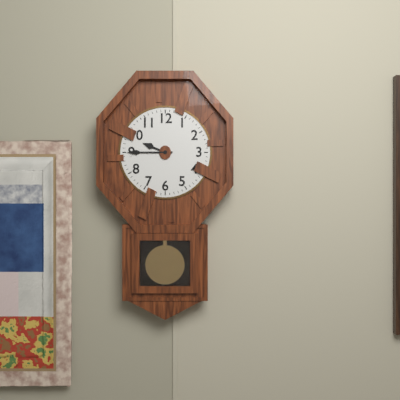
9:45
